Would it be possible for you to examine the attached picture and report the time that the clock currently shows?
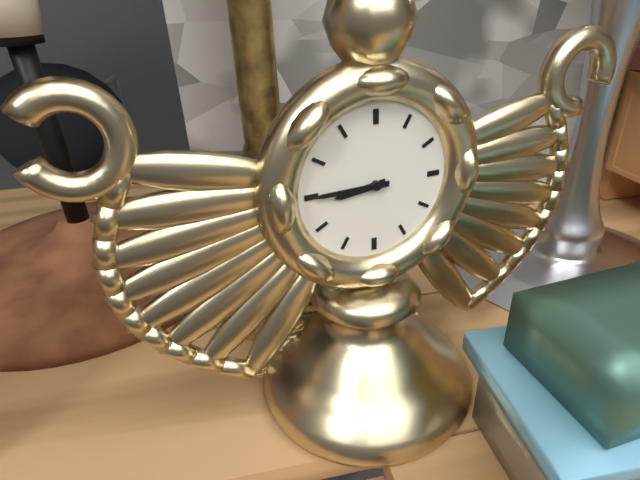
8:45
